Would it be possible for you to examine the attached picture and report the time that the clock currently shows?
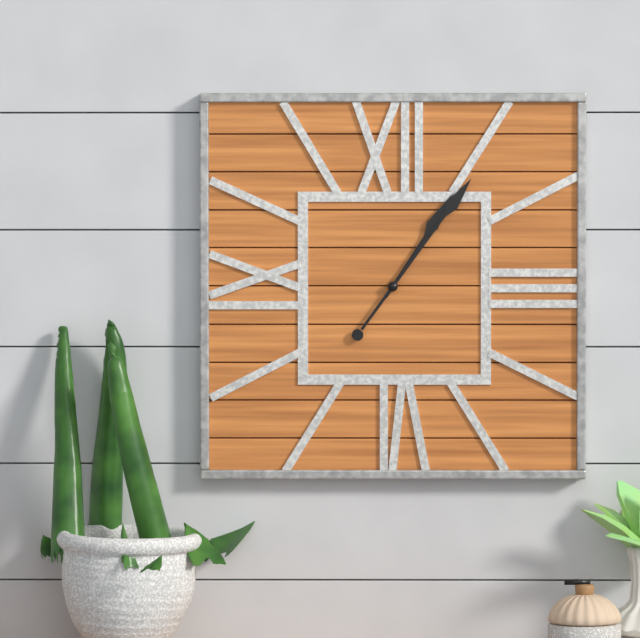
1:06
